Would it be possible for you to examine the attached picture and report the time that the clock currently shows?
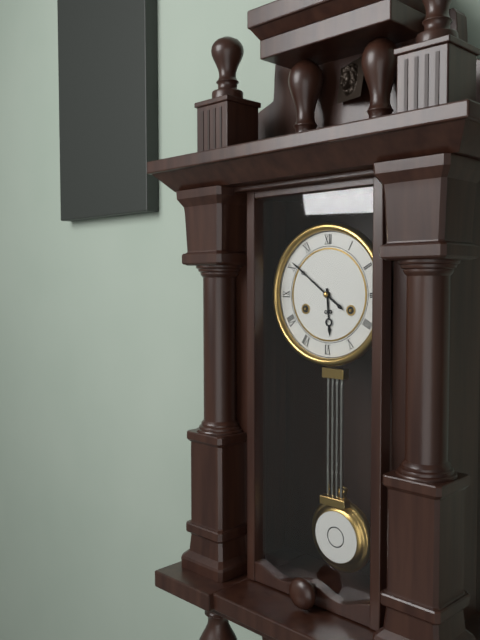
5:51
